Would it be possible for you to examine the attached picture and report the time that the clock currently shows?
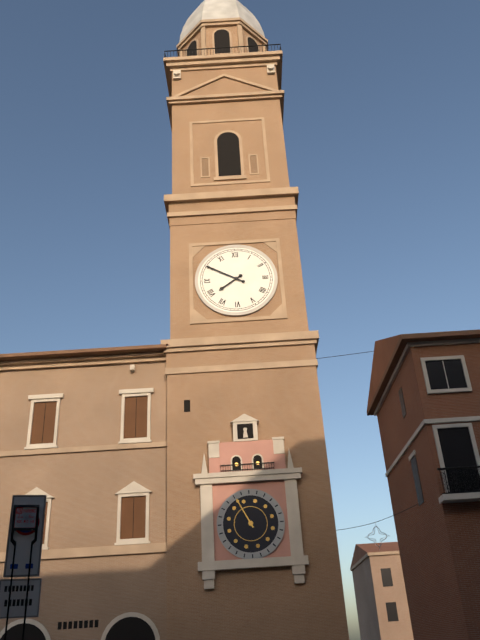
7:50
